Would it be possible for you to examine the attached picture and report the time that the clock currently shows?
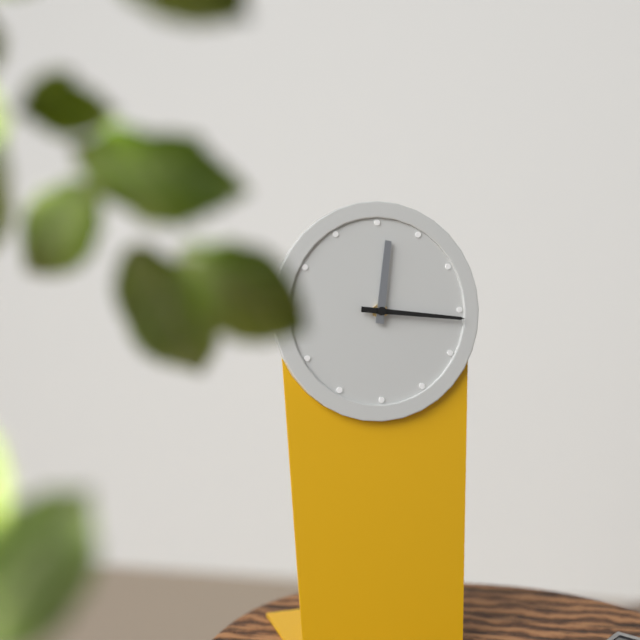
12:16
